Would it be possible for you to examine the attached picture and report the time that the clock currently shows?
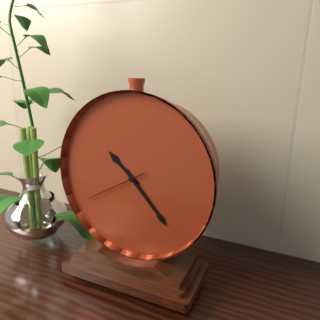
10:23:40
